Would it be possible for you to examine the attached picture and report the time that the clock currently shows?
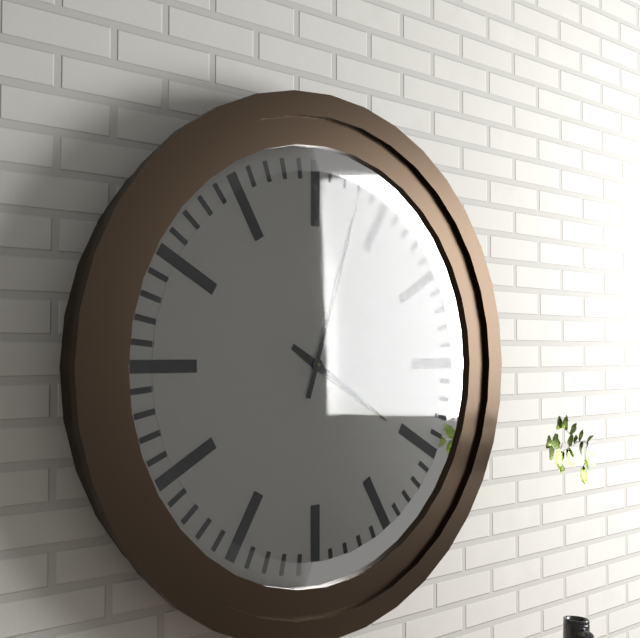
4:03
